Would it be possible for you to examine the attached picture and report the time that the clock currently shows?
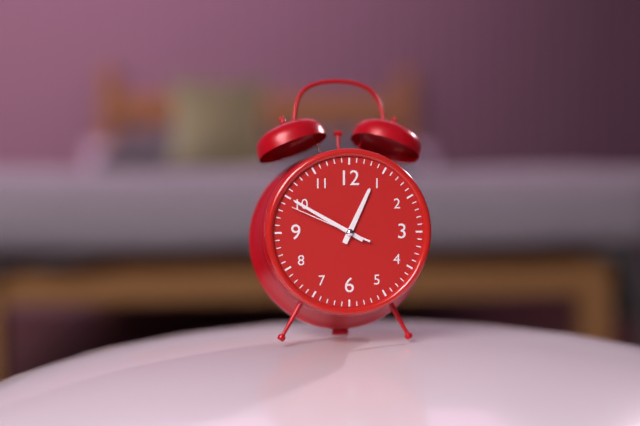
12:50:49
